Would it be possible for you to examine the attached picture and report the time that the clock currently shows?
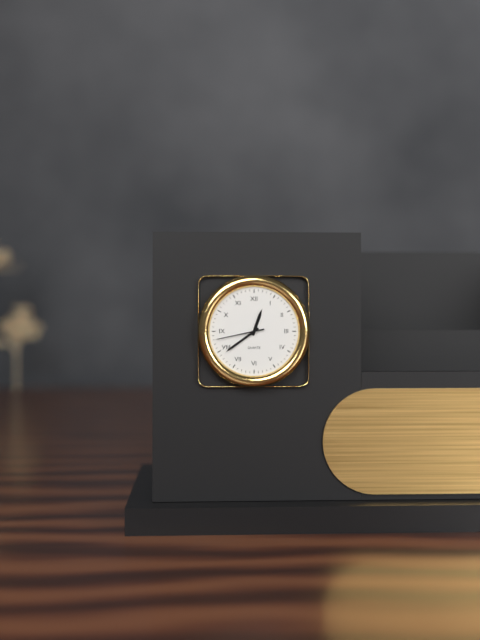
12:39
